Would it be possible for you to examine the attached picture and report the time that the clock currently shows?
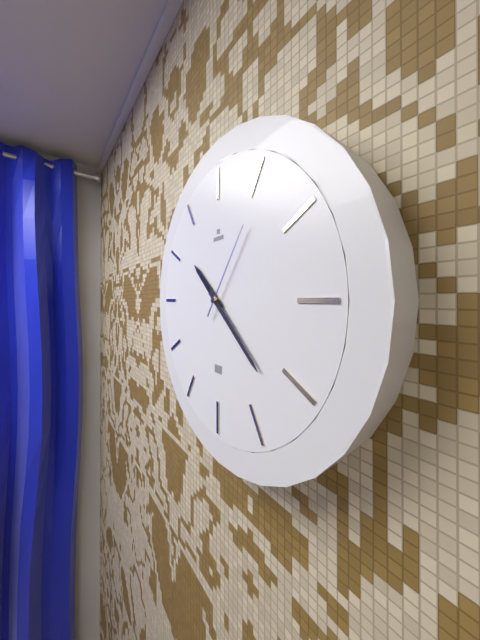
10:22:06
